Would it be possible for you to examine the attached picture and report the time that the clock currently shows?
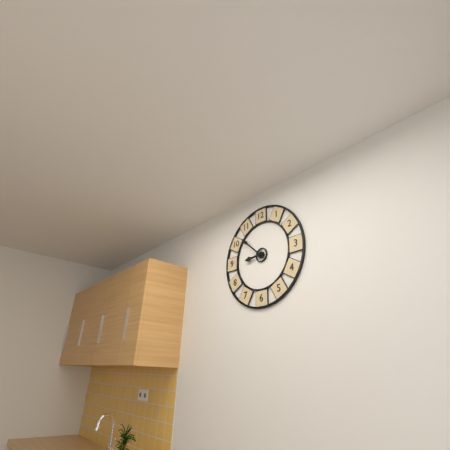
8:52
